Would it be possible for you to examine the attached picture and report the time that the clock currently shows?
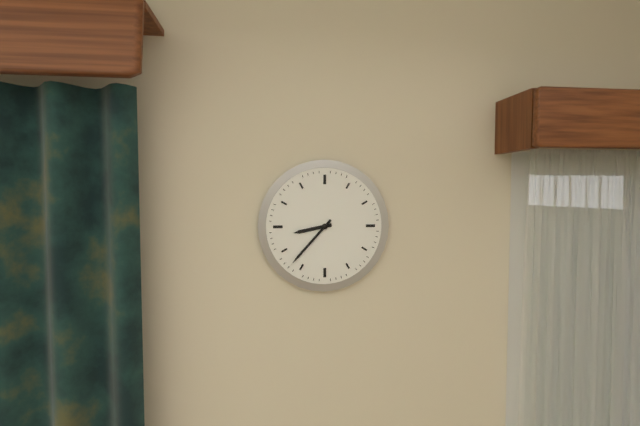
8:37
